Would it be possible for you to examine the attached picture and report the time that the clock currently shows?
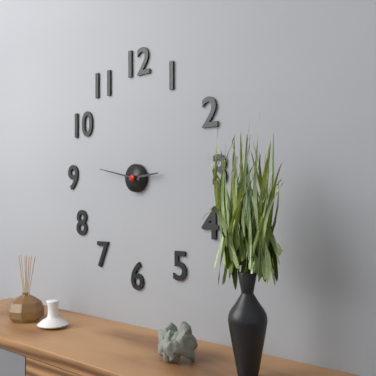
2:47
